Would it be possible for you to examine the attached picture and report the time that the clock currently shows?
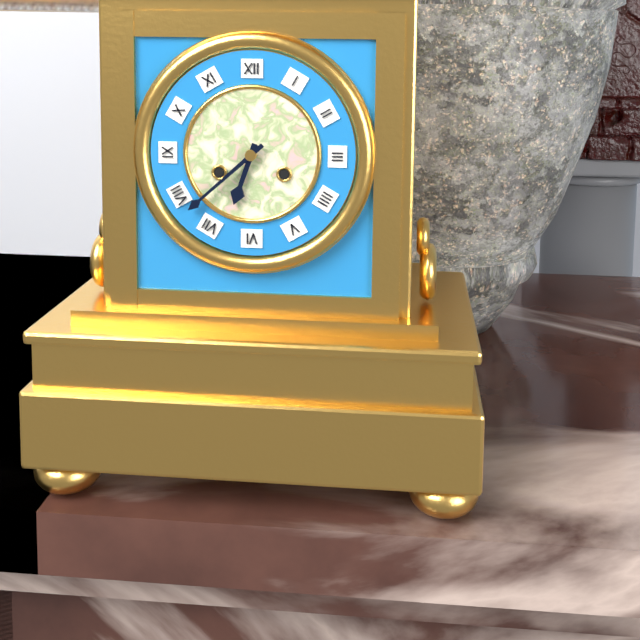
6:38
